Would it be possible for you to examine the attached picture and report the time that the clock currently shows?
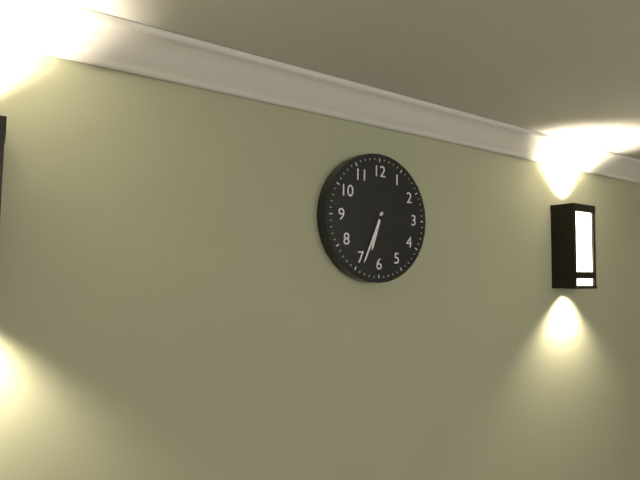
6:34
